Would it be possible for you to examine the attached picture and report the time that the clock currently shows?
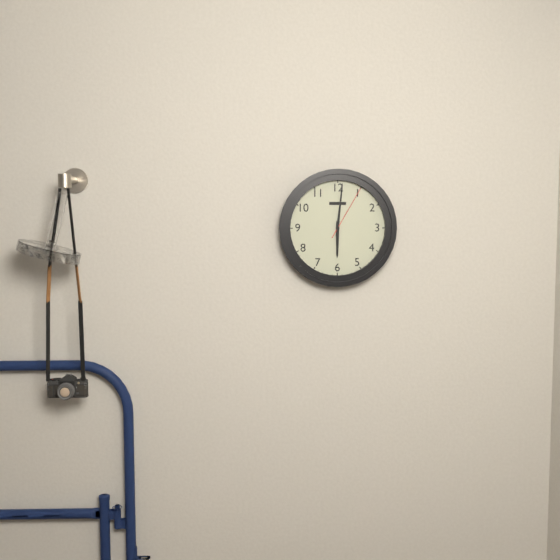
6:01:05
